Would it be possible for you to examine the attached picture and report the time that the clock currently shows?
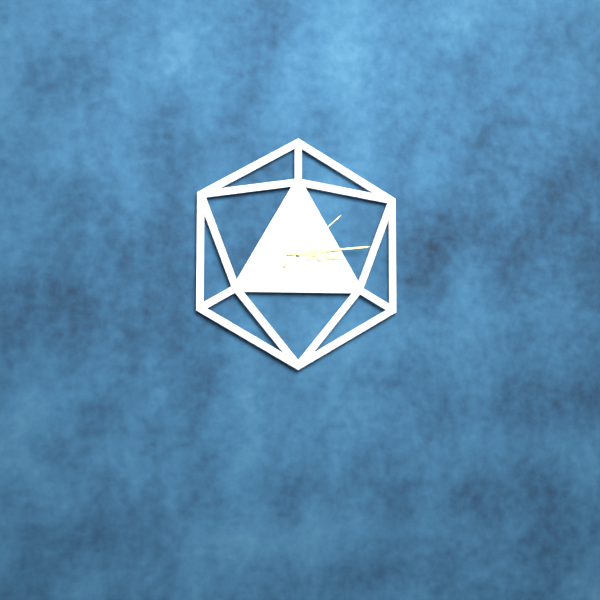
3:14:08
